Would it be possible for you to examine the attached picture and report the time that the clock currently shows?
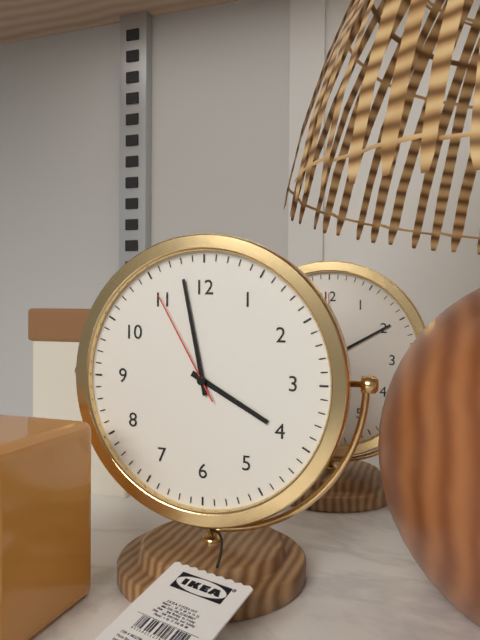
3:58:55
